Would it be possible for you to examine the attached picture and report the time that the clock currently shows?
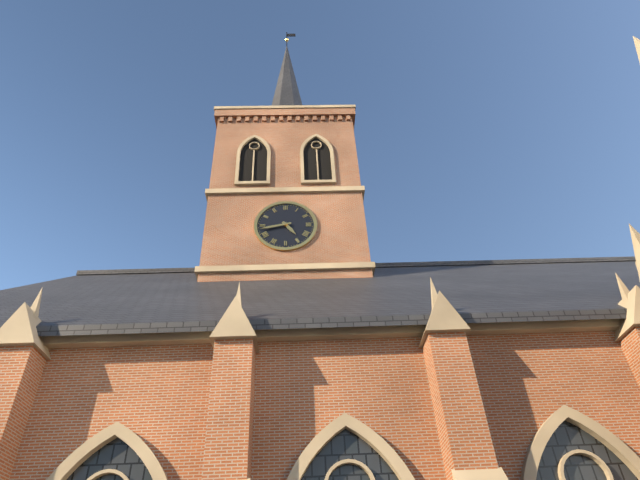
4:43
